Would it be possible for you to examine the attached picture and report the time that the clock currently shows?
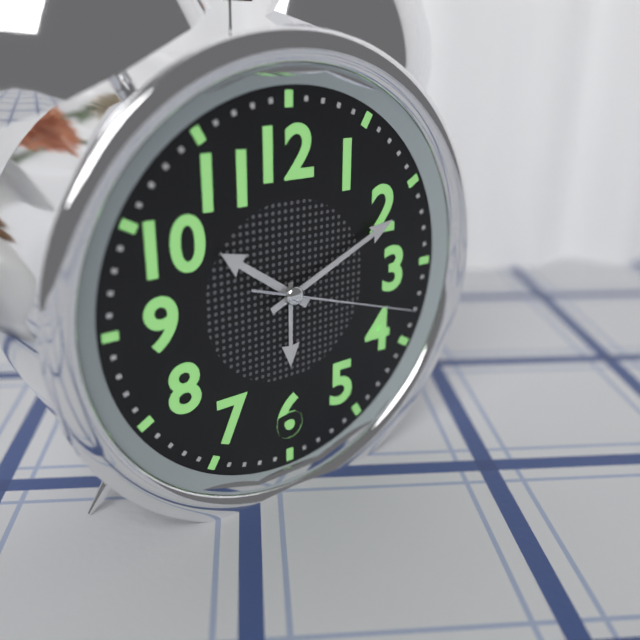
10:11:18
